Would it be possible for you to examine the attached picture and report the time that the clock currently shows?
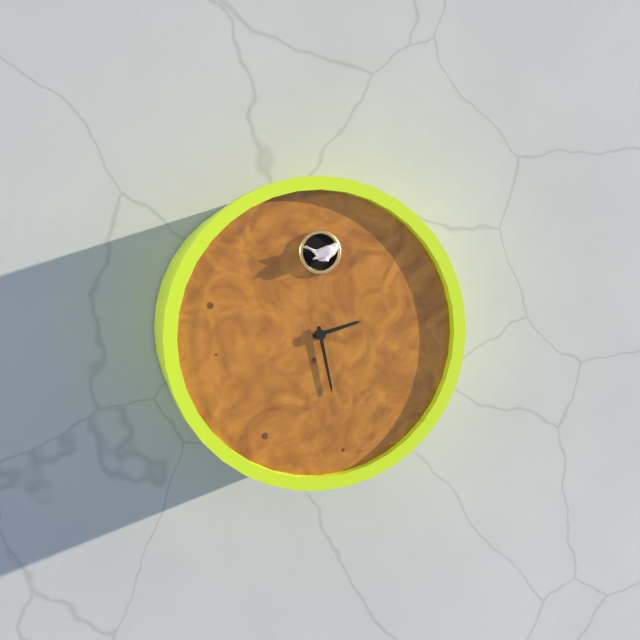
2:28
